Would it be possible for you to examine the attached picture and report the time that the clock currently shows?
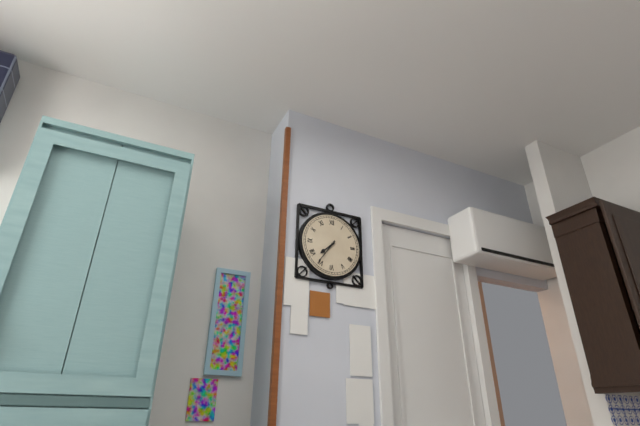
7:36
